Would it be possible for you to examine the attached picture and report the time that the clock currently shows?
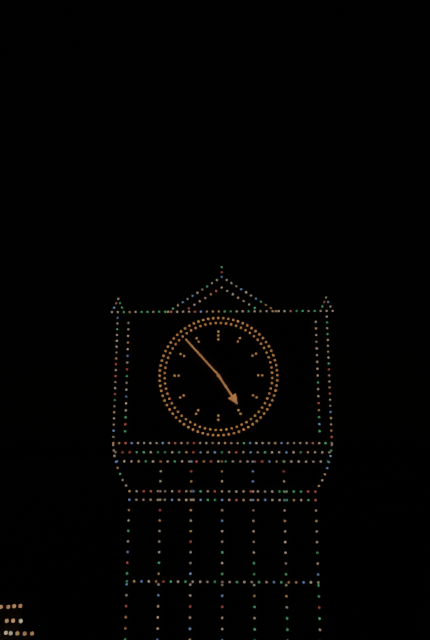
4:53
